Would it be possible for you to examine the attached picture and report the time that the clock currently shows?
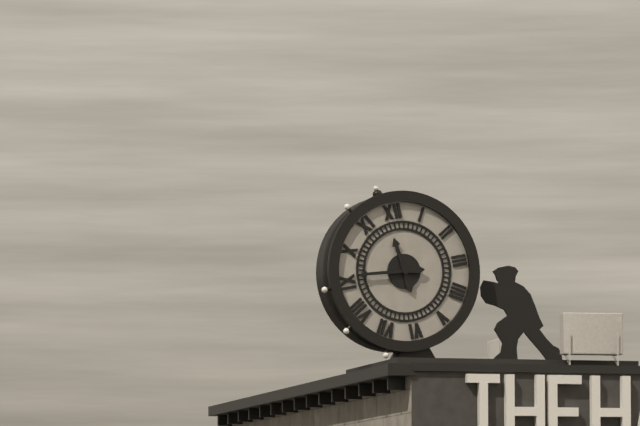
11:46
